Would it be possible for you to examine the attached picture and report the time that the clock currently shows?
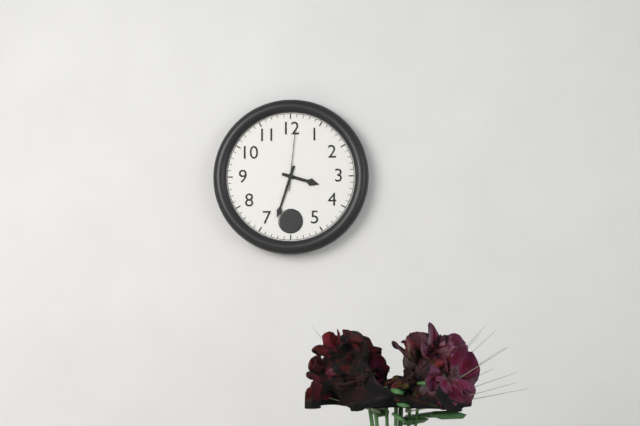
3:33:01
